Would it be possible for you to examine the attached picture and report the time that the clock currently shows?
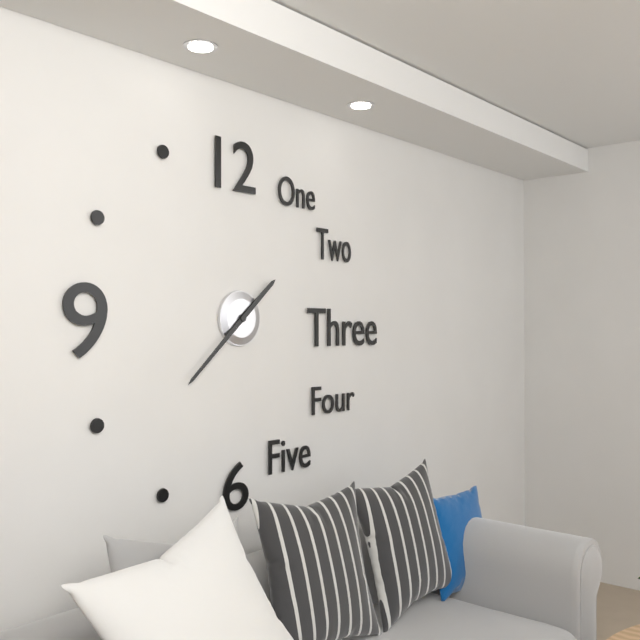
1:38
